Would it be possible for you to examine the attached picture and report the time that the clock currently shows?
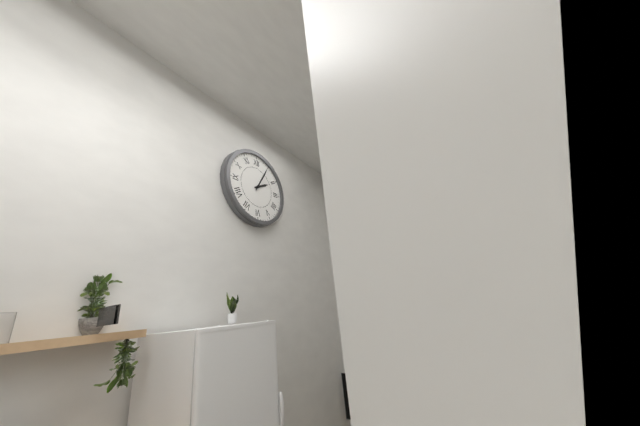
2:05
